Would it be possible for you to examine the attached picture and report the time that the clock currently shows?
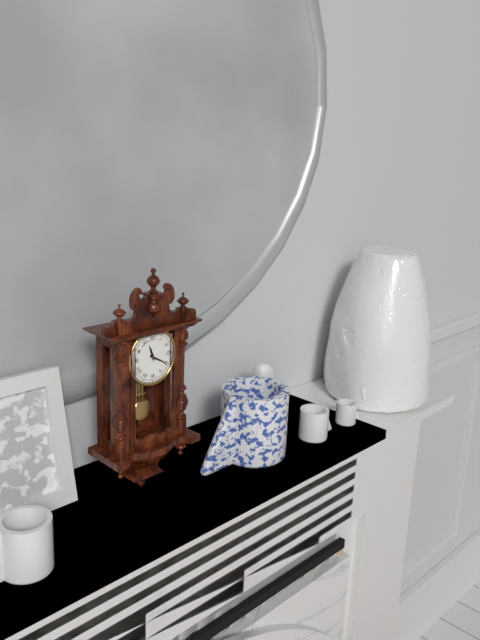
11:20
